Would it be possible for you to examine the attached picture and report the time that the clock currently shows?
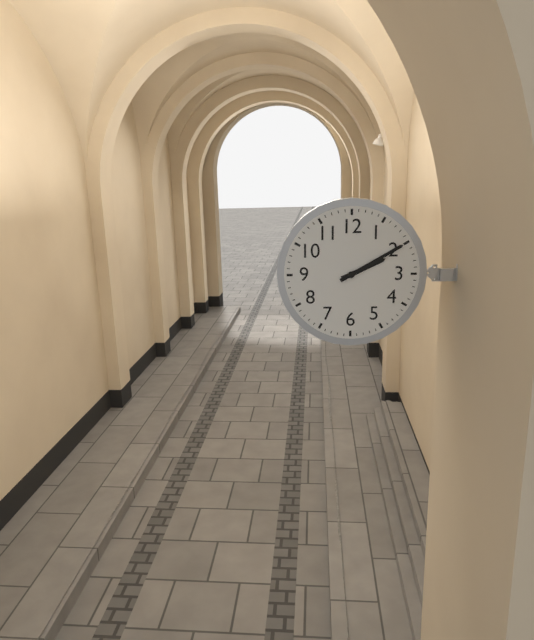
2:10
